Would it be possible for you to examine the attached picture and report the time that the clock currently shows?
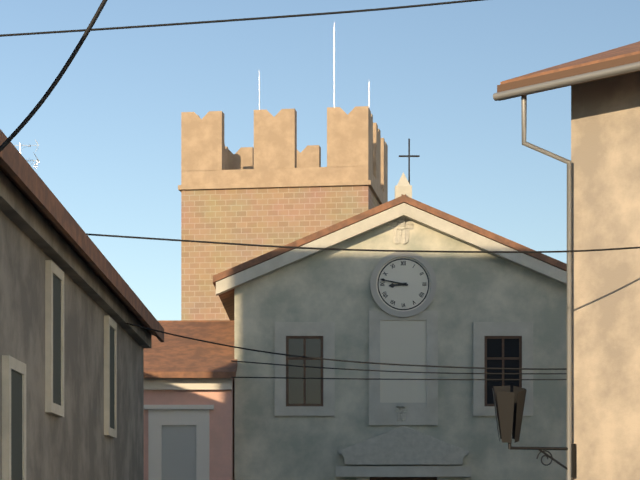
8:47
